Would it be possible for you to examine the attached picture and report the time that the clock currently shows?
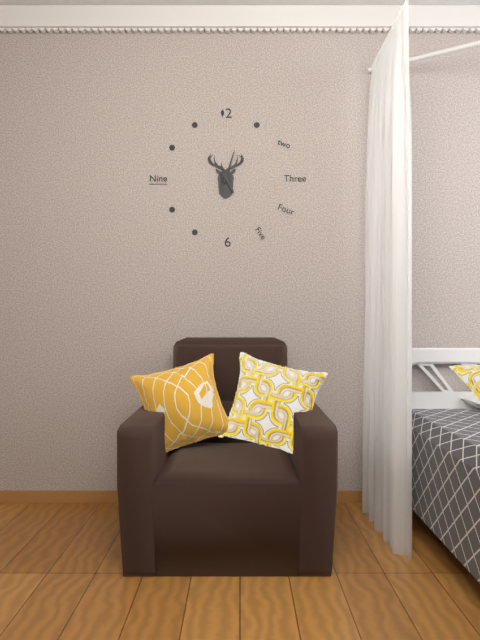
5:03
